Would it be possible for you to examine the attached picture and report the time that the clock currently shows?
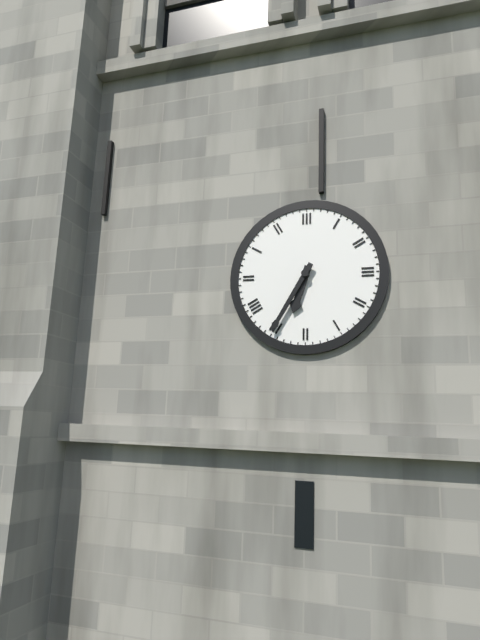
6:35
